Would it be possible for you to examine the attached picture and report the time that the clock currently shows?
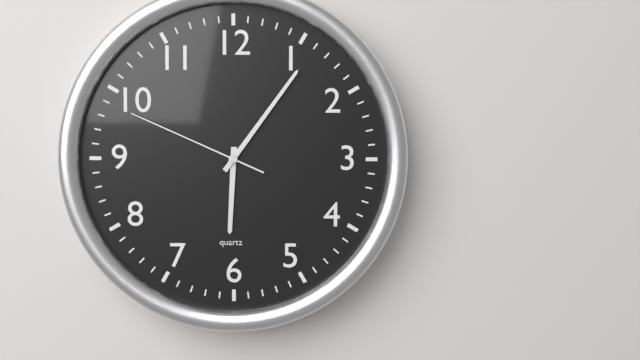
6:06:49
